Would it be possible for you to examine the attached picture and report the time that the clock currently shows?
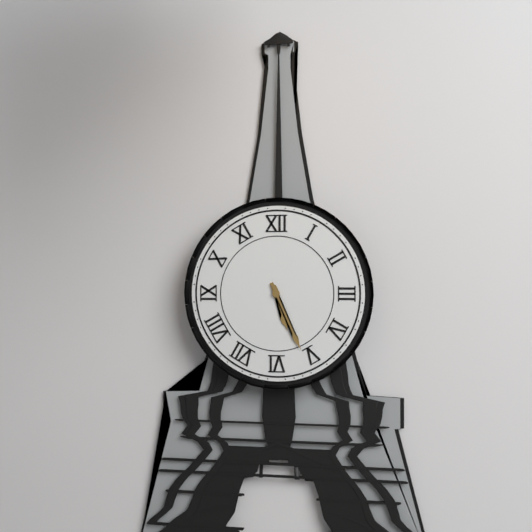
5:26
